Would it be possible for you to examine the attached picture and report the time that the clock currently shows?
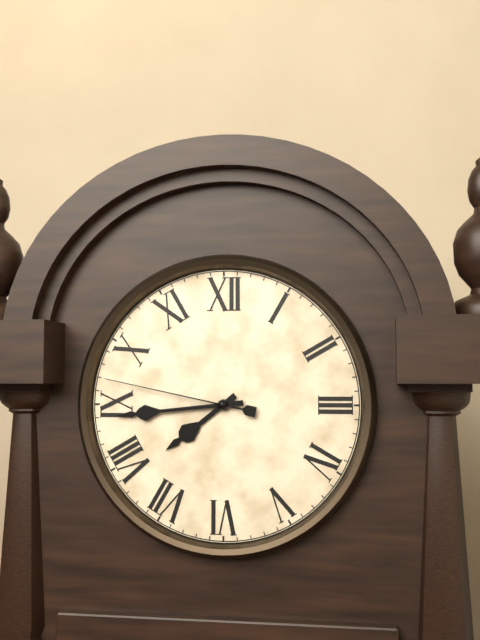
7:44:47
